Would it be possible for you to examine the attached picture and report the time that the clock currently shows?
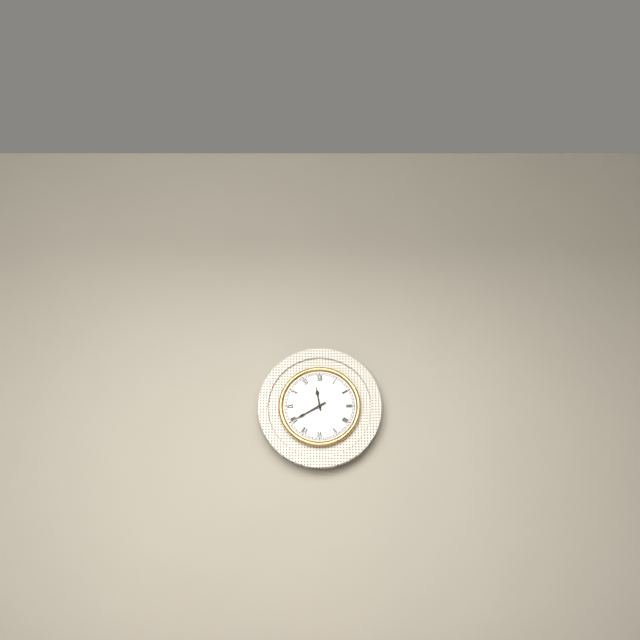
11:40
